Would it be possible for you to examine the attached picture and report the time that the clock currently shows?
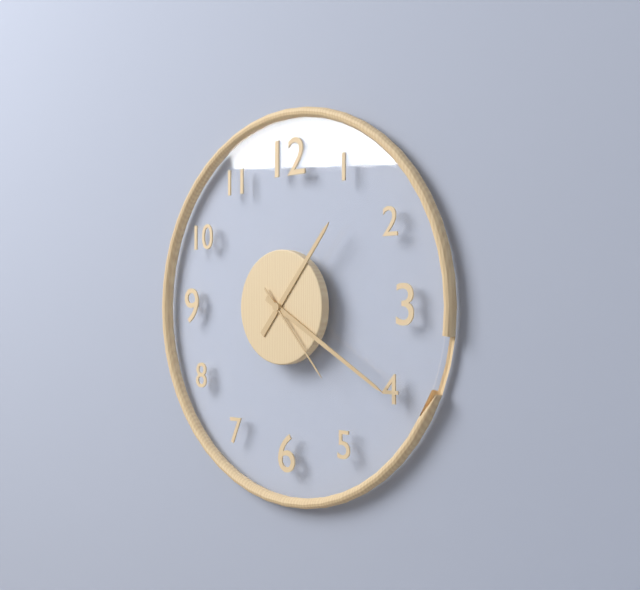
1:20:23
